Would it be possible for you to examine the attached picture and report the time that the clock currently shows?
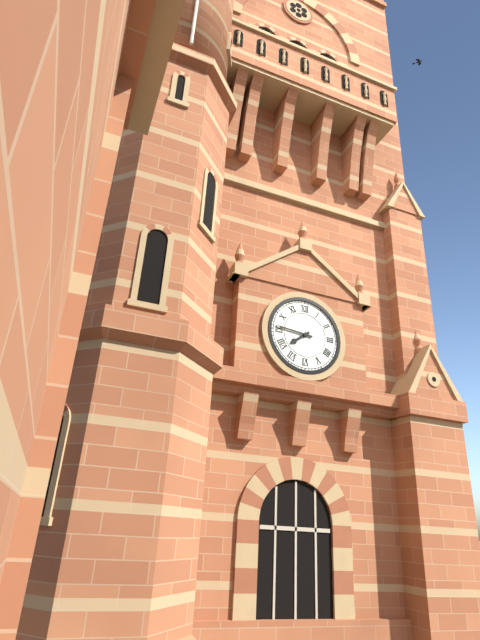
7:46
